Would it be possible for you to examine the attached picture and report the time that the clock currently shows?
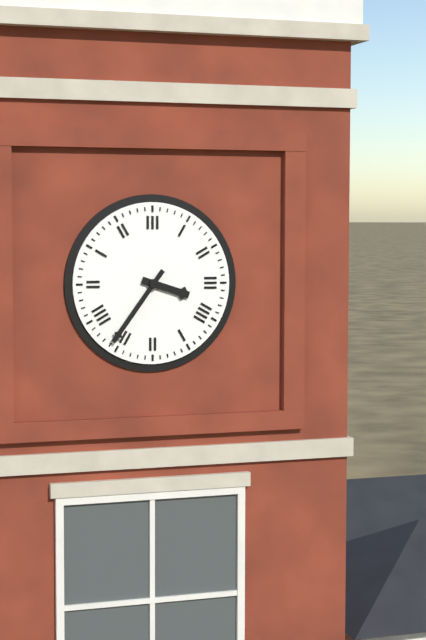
3:36
